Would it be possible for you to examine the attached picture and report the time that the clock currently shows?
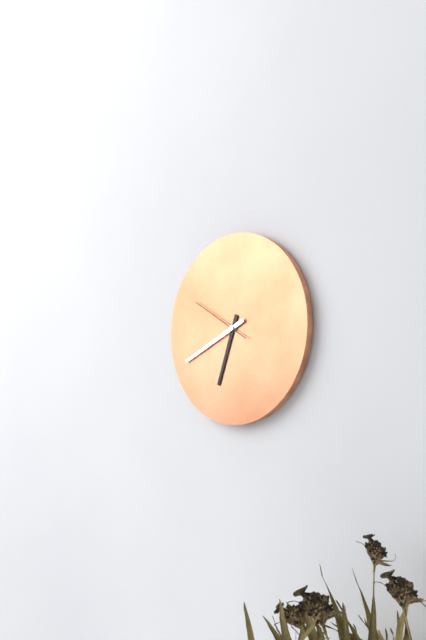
6:41:50
